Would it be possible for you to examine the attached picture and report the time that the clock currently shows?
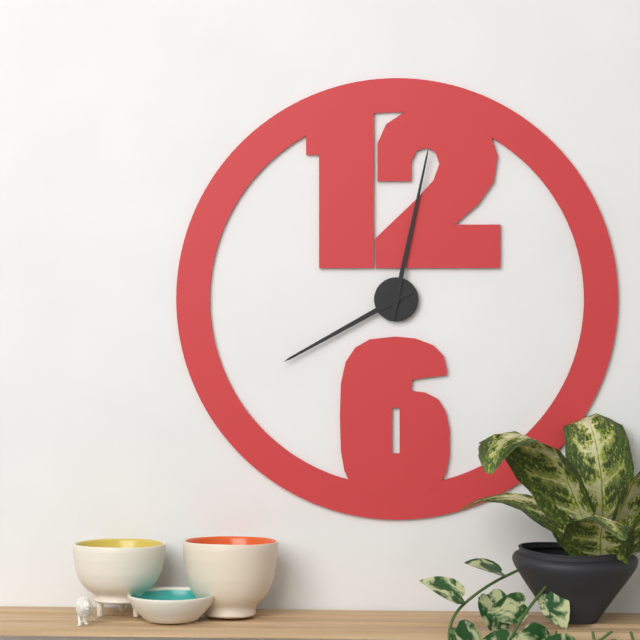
8:02
